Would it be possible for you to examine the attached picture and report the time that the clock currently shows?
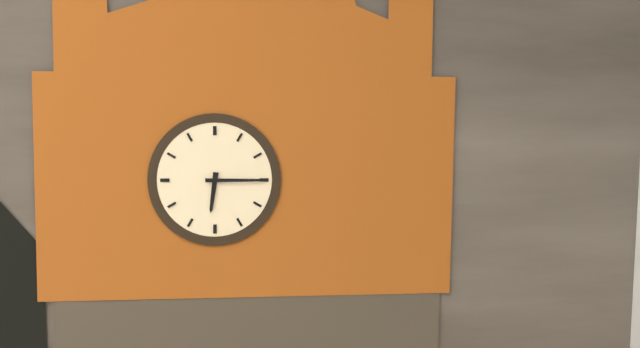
6:15
